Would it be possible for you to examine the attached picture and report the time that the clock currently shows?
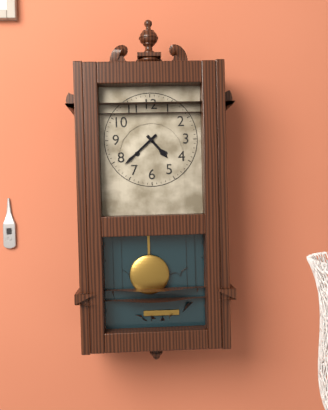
4:38
